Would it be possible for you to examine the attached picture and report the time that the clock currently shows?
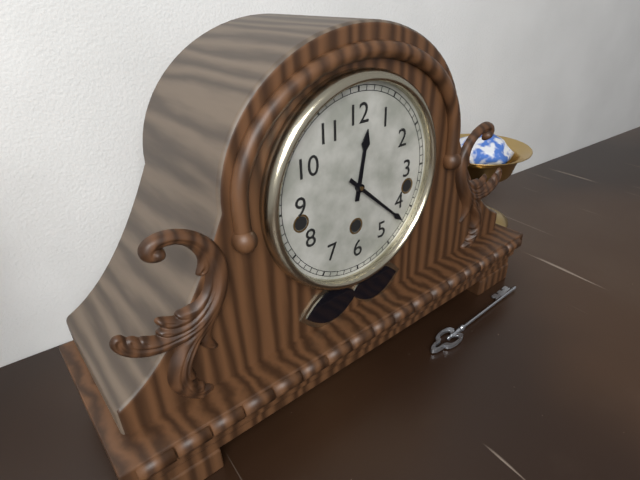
12:22
